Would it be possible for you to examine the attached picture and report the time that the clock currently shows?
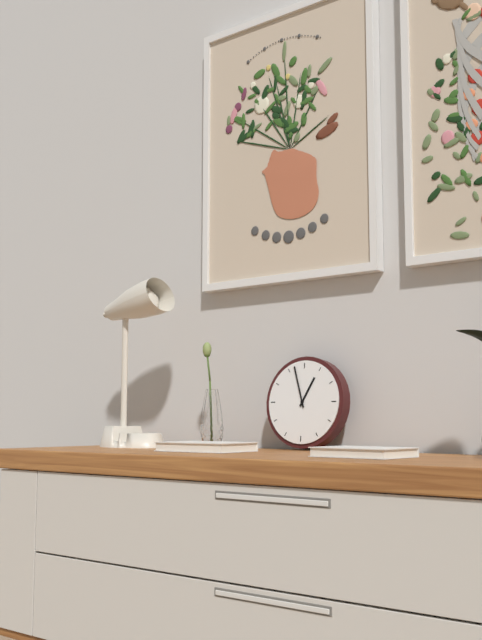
12:57
